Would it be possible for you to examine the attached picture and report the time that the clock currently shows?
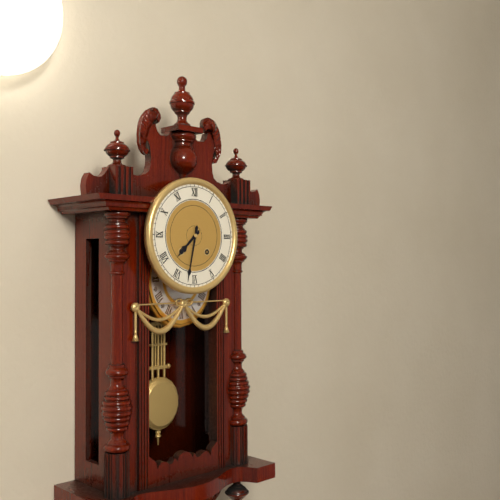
7:32
